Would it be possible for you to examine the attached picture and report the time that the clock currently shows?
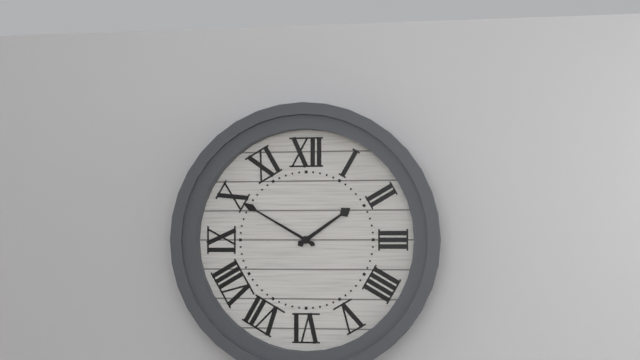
1:50
